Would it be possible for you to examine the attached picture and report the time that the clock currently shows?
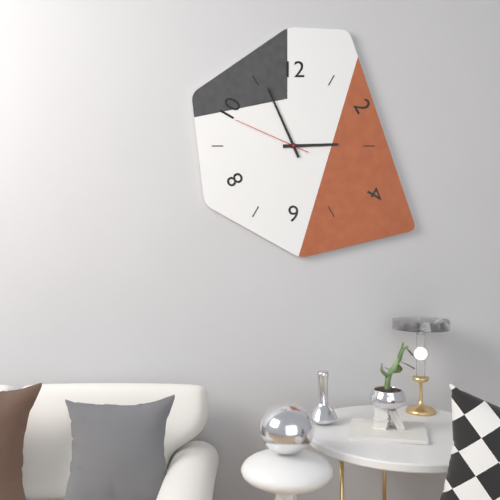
2:56:49
